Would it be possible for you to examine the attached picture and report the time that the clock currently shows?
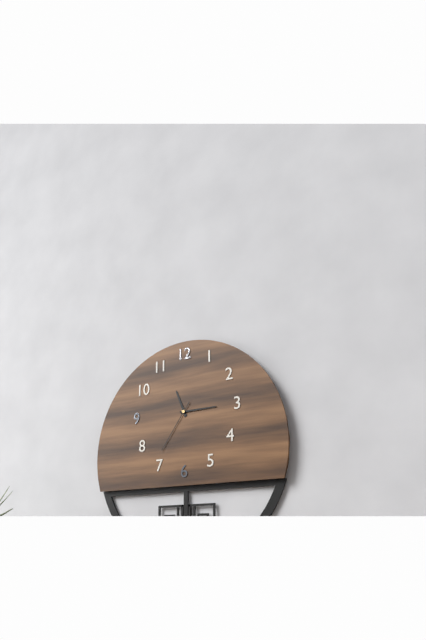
11:15:36
